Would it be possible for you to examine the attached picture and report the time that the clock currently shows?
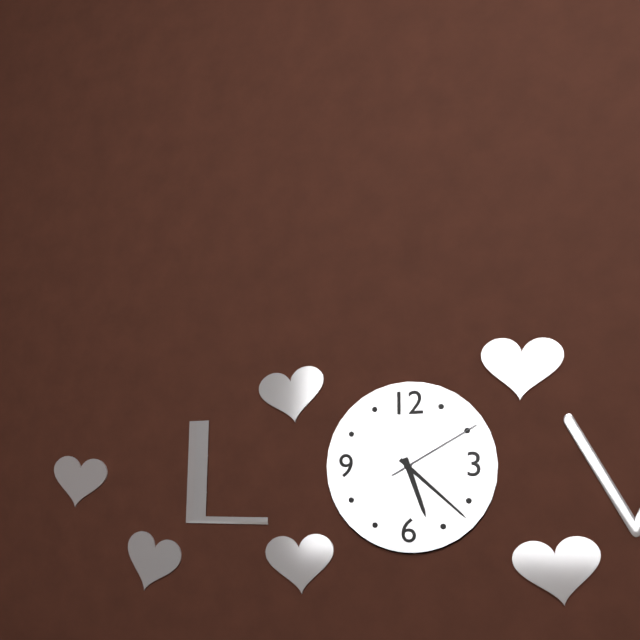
5:22:10
